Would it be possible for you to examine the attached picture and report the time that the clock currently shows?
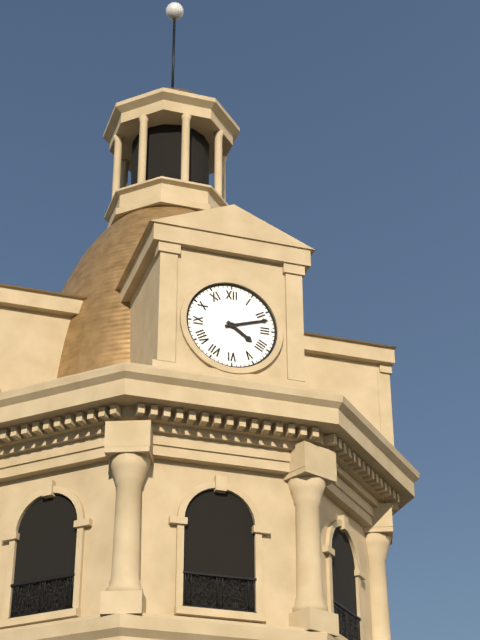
4:12
